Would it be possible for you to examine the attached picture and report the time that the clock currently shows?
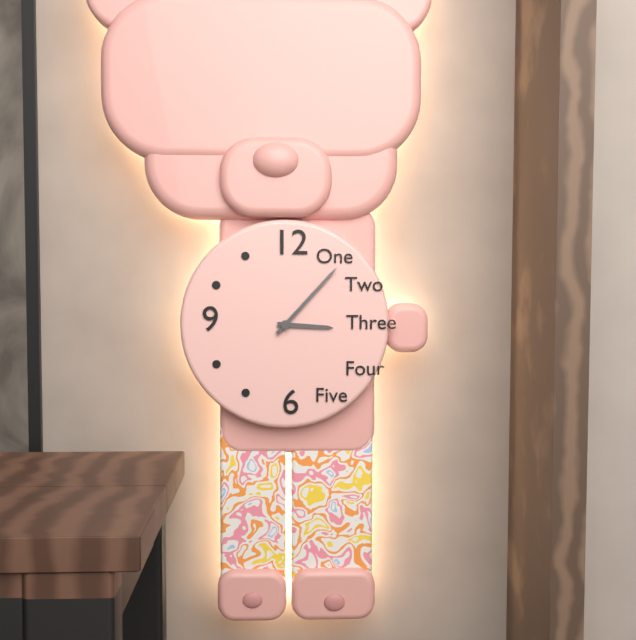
3:07
